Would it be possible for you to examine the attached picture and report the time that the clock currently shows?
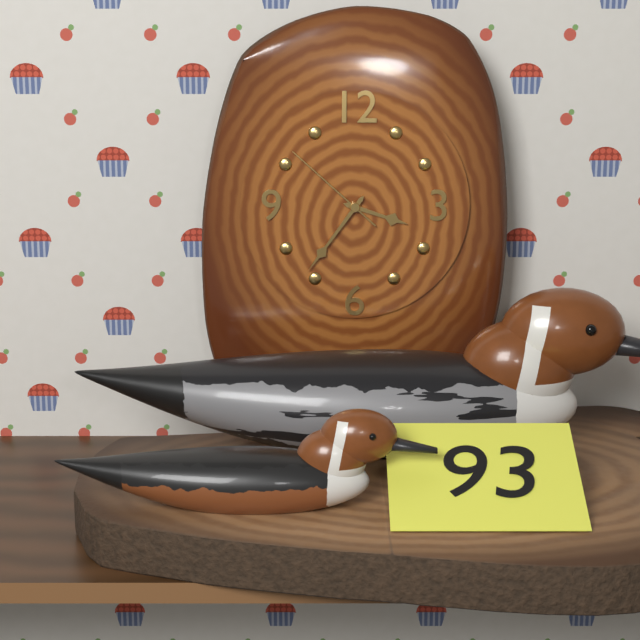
3:36:52
